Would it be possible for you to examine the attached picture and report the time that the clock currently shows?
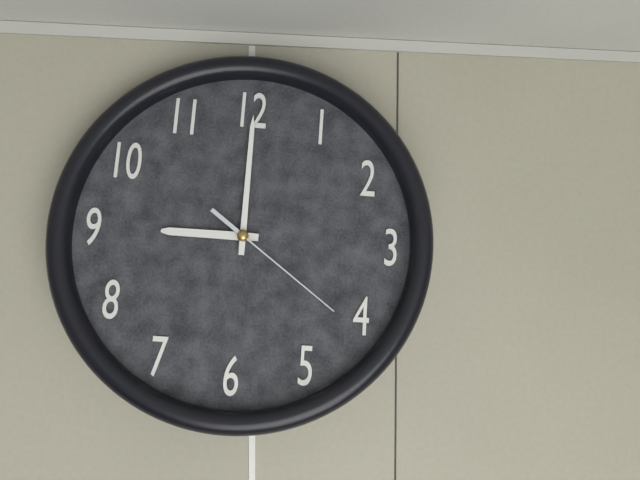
9:00:21
